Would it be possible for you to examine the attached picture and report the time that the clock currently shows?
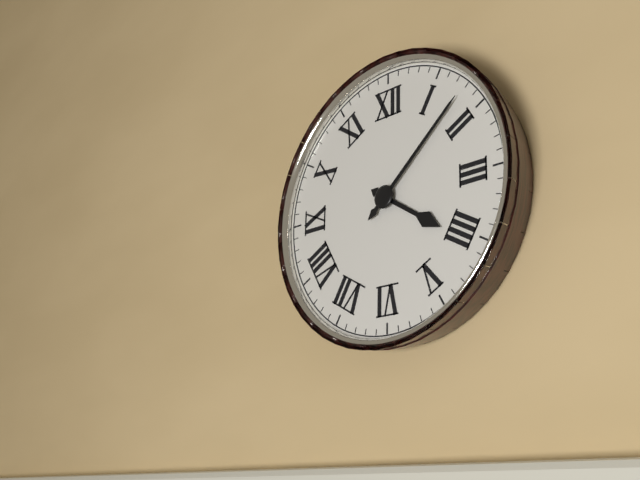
4:08
